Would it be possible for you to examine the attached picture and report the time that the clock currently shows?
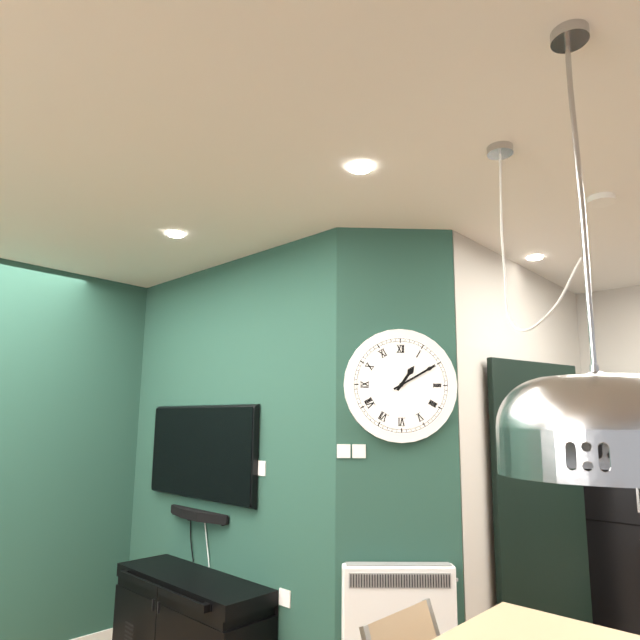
1:10
